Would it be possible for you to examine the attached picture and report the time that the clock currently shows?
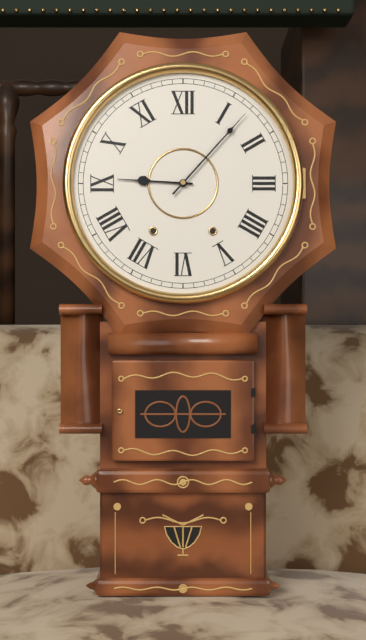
9:07
